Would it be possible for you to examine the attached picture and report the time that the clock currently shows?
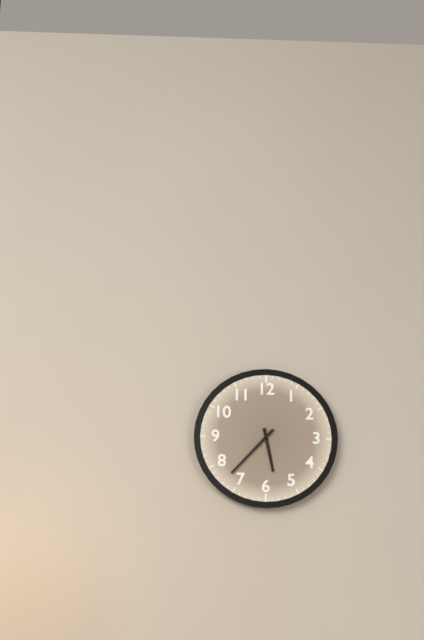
5:37
